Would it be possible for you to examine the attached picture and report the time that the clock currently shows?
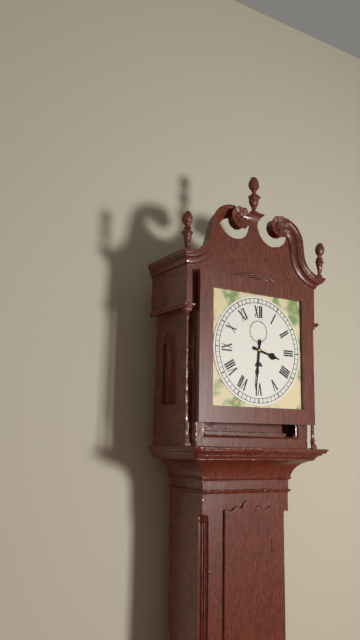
3:31
